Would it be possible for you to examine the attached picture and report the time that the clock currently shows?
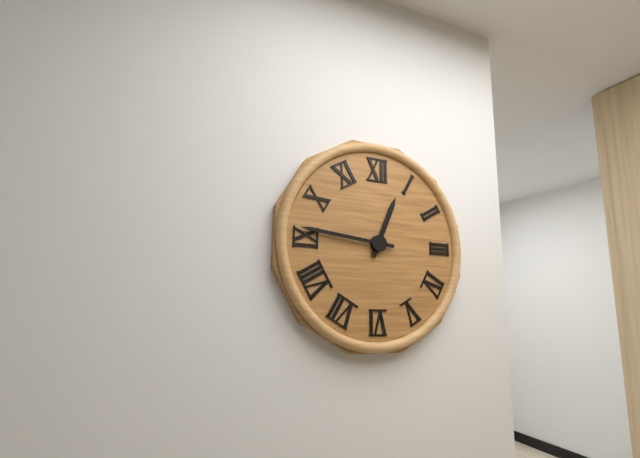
12:46
